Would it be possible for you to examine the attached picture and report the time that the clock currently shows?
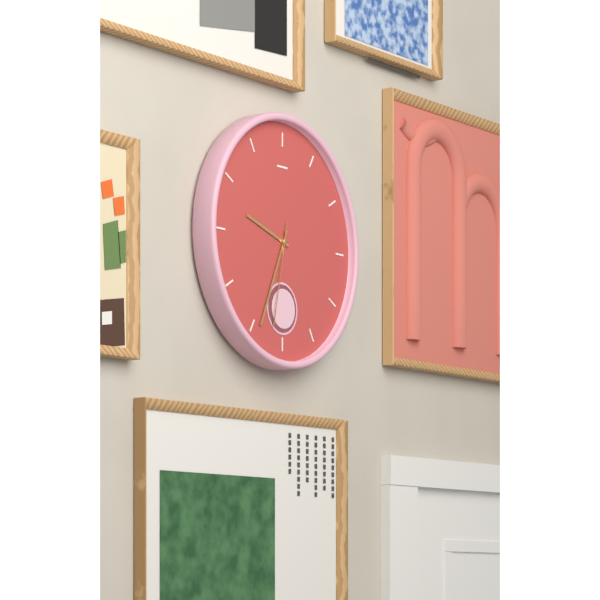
9:34:32
